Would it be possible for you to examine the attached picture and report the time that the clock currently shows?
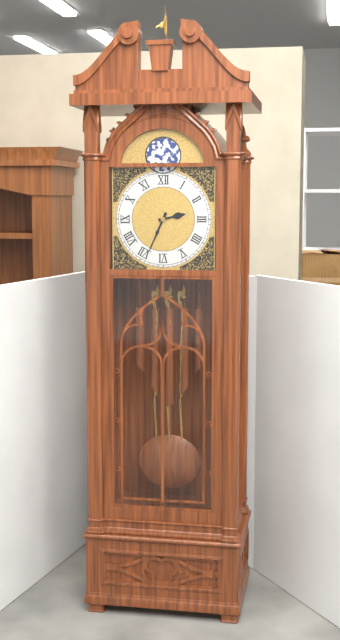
2:34
